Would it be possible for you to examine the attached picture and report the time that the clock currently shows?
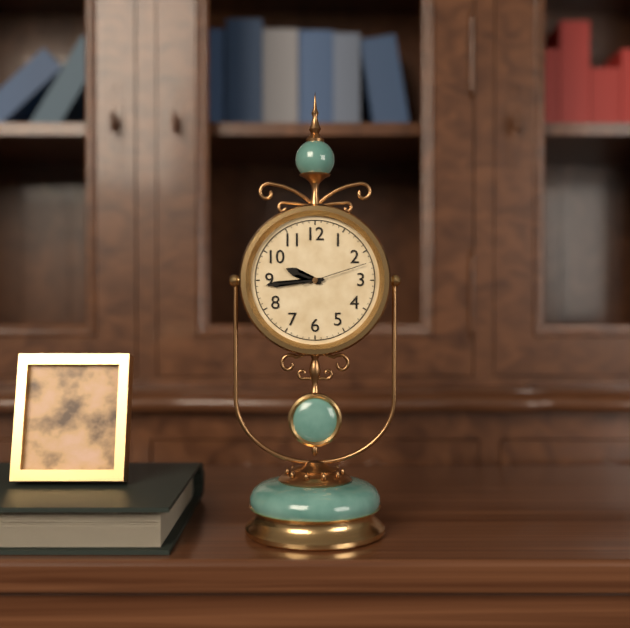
9:44:12
